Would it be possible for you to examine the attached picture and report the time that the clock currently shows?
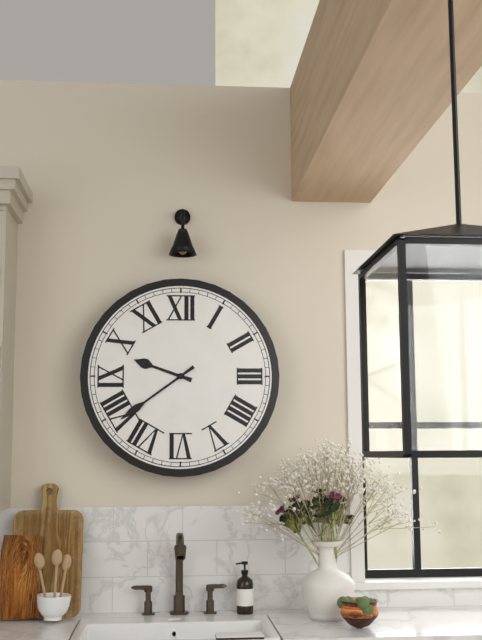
9:39
